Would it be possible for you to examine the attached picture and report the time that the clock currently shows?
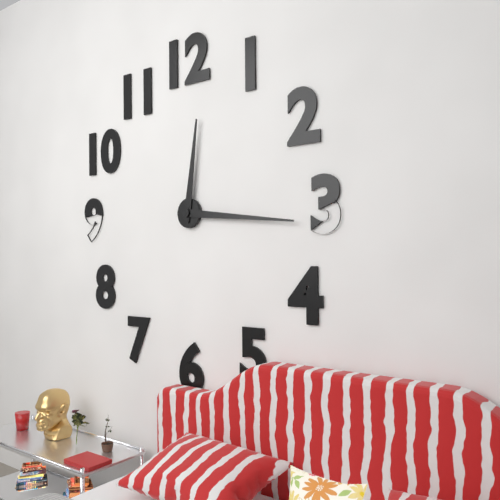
12:16
